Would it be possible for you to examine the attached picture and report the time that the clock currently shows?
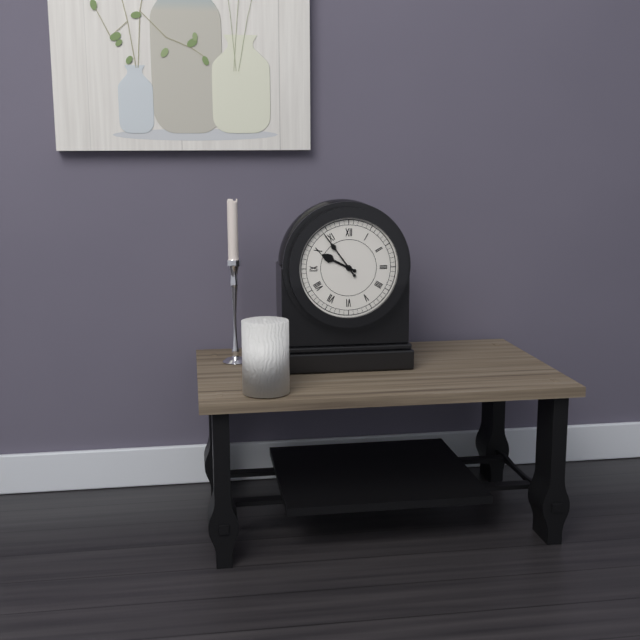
9:54
